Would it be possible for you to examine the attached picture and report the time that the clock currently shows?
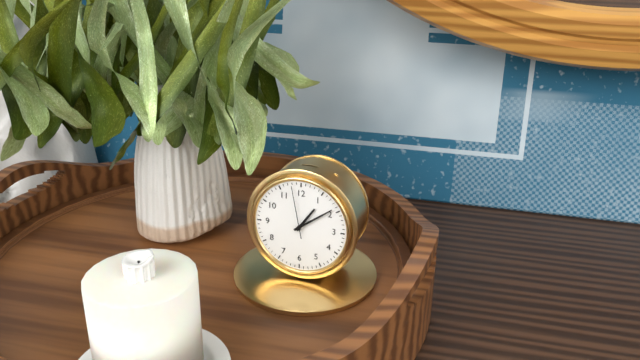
1:09:58
